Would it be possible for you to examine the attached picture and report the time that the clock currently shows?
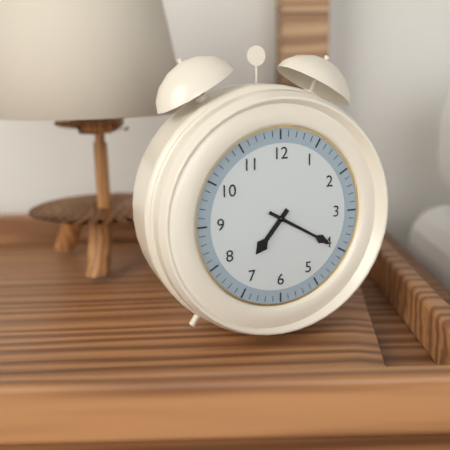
7:20
